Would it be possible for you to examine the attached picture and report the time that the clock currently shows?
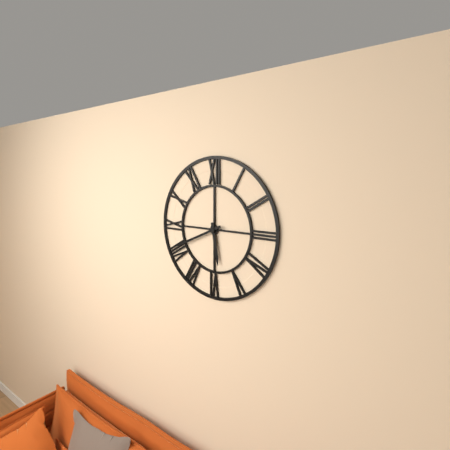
5:41
